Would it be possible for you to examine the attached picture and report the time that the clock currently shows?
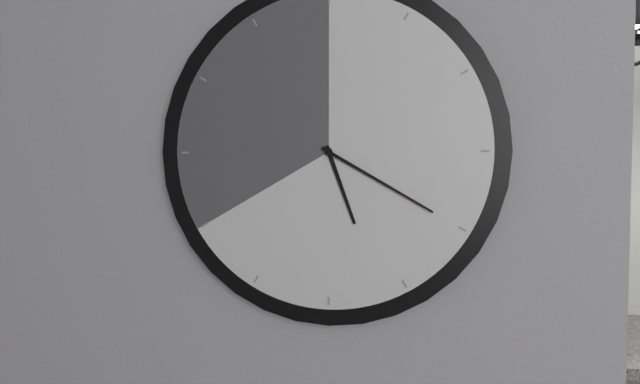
5:20
